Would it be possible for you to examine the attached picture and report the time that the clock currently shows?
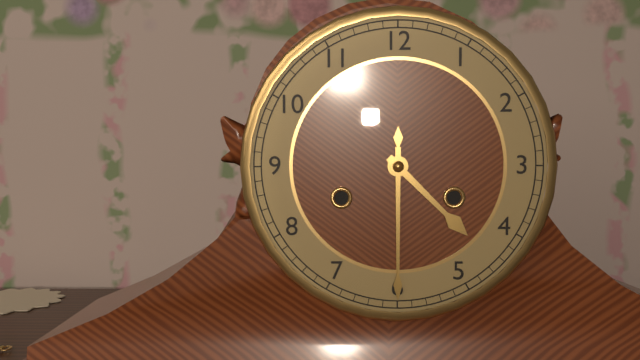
4:30
